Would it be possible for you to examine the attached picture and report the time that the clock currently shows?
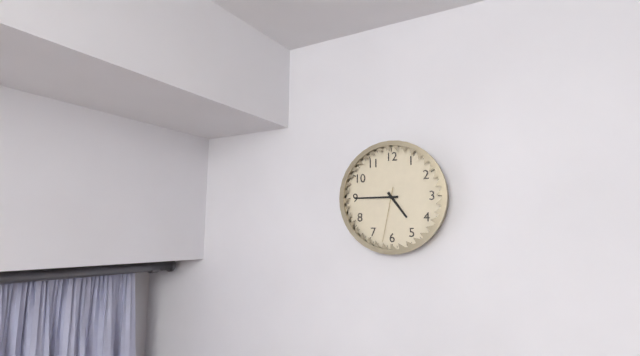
4:45:32
